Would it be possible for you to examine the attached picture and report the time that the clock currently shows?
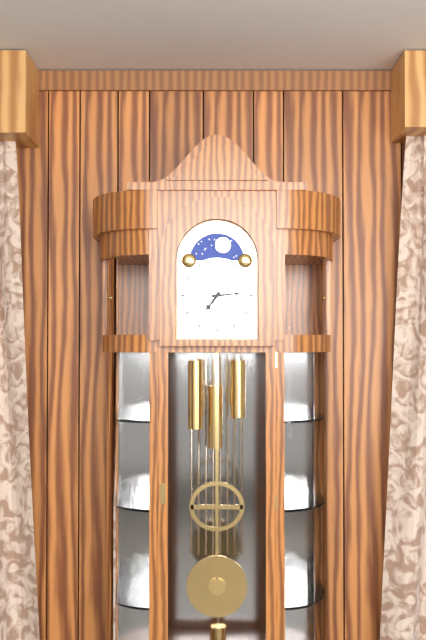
7:14
